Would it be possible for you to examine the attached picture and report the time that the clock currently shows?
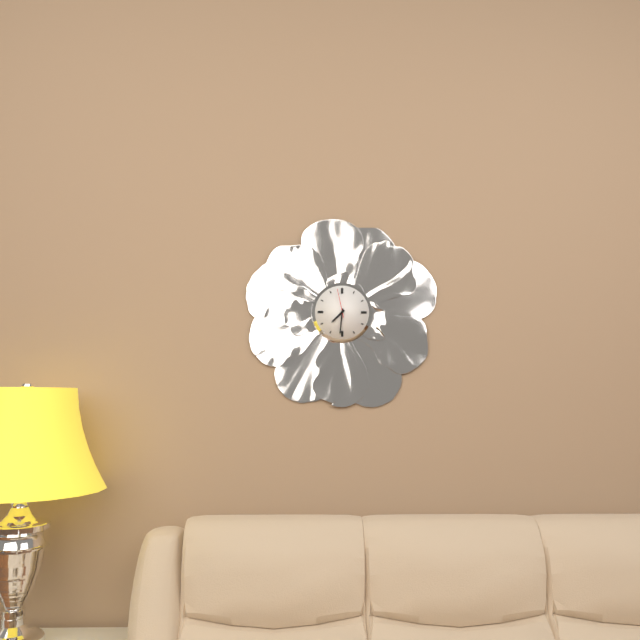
7:31
